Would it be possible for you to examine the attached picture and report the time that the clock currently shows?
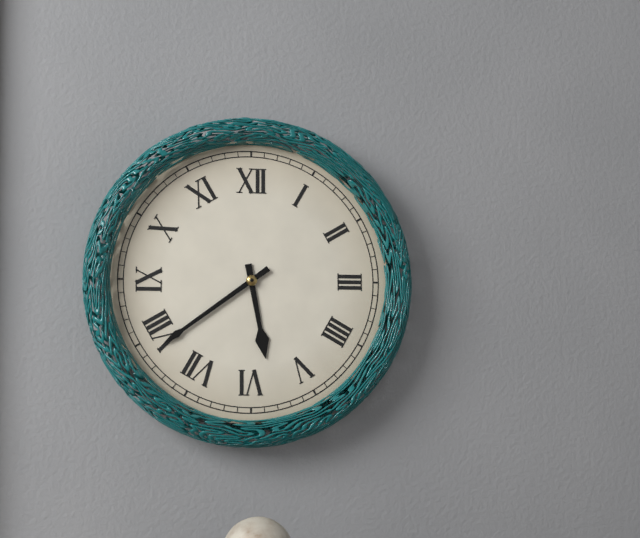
5:39
